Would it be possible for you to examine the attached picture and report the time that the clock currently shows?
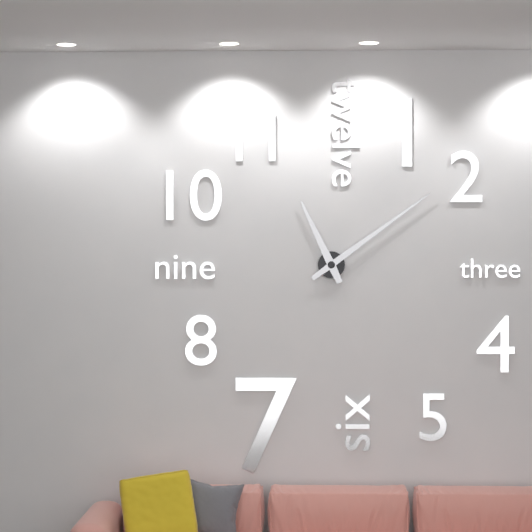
11:09
